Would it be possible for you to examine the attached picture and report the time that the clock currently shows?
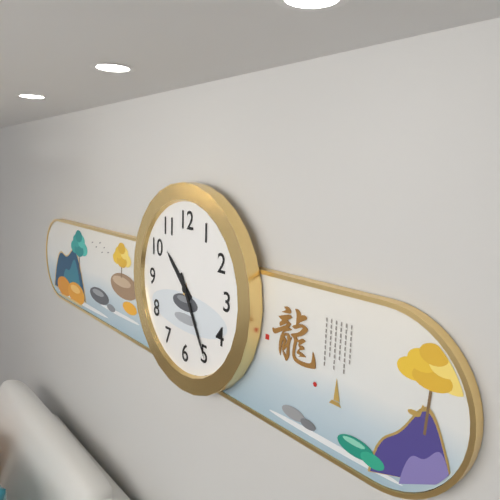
10:25
